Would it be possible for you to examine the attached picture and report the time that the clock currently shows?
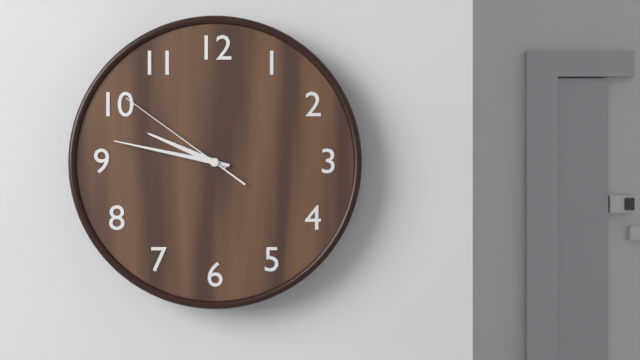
9:47:51
